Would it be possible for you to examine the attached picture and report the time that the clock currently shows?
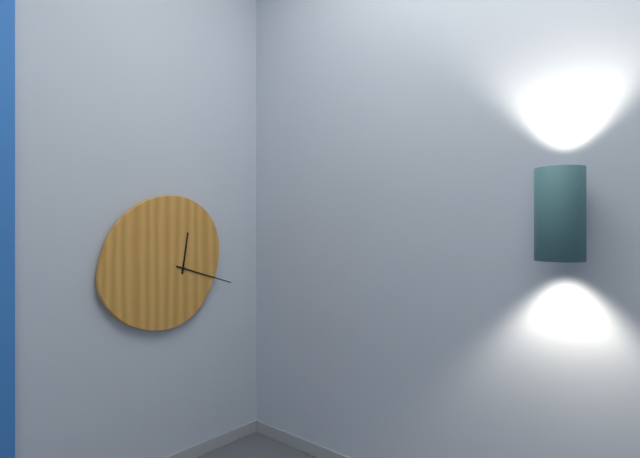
12:18
